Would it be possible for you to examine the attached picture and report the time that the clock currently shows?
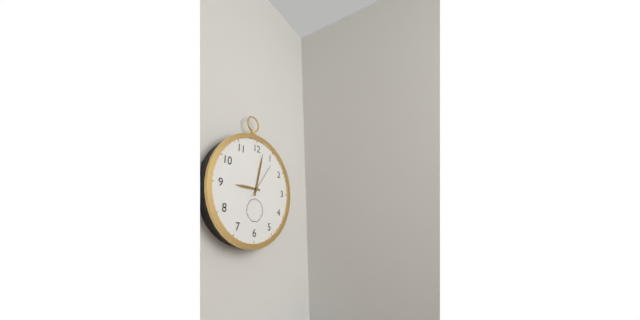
9:02
